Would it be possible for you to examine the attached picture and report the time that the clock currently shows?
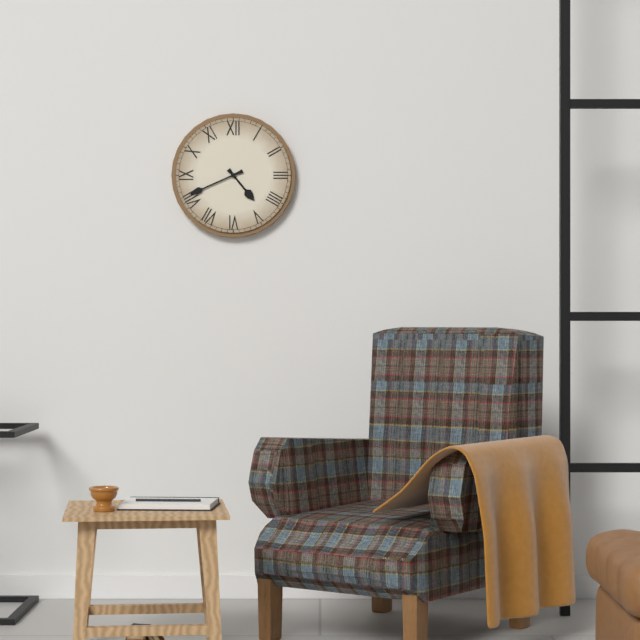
4:41
